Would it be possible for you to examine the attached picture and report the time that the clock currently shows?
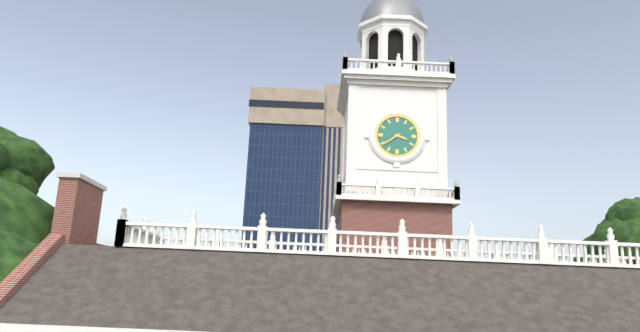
3:39
